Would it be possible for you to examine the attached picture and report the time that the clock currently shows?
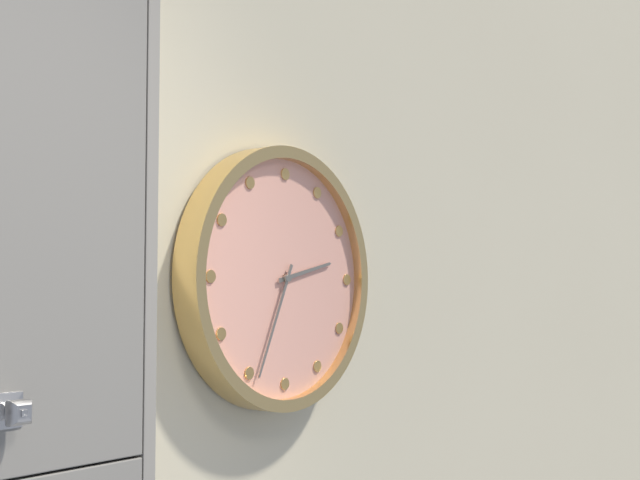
2:34
